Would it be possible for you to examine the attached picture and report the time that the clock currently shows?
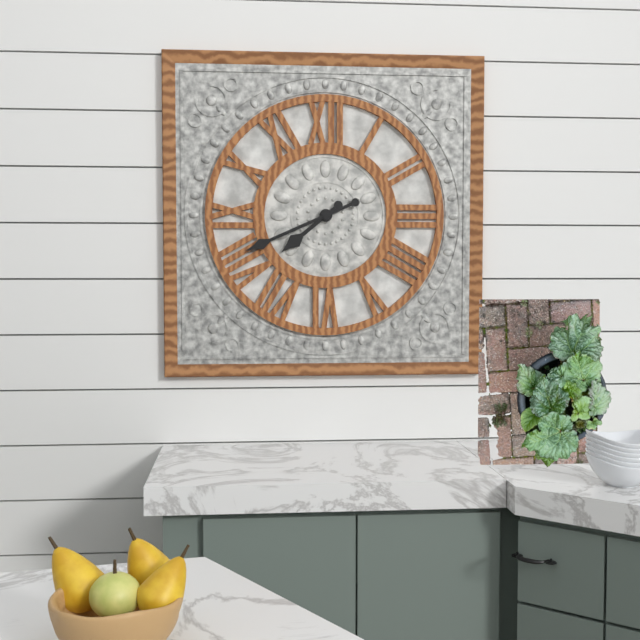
7:41
